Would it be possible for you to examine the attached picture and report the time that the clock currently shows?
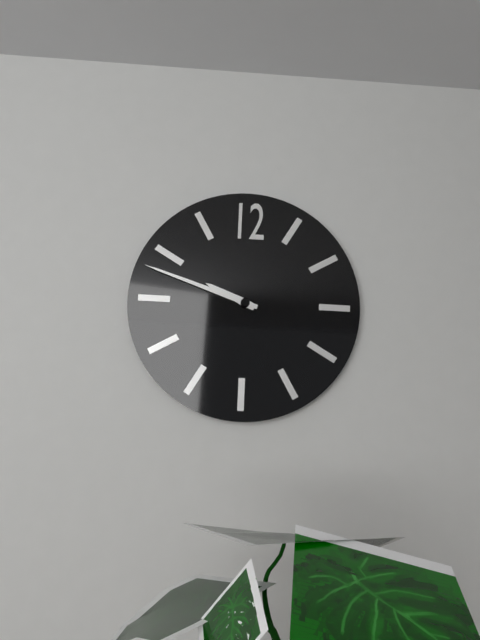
9:48
